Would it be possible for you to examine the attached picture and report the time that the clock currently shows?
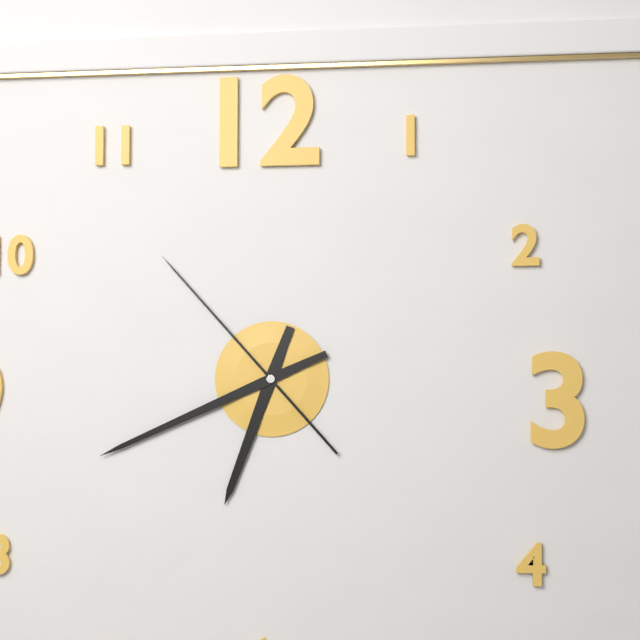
6:41:53
